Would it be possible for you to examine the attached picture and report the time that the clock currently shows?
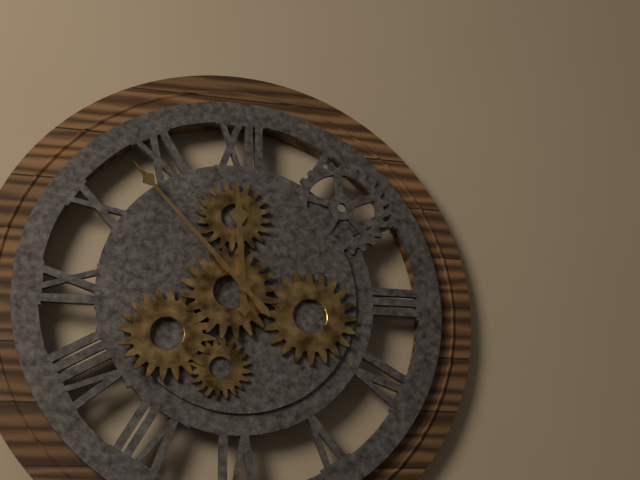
11:53
